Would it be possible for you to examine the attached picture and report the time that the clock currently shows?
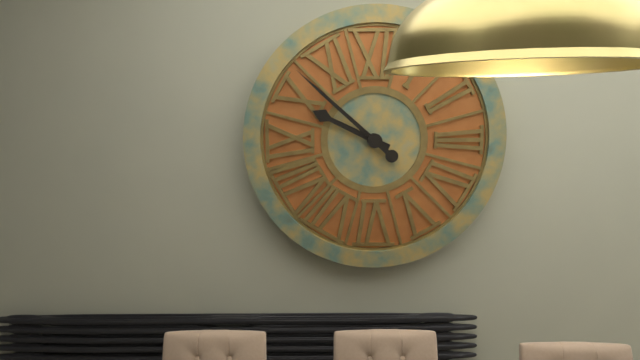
9:52
